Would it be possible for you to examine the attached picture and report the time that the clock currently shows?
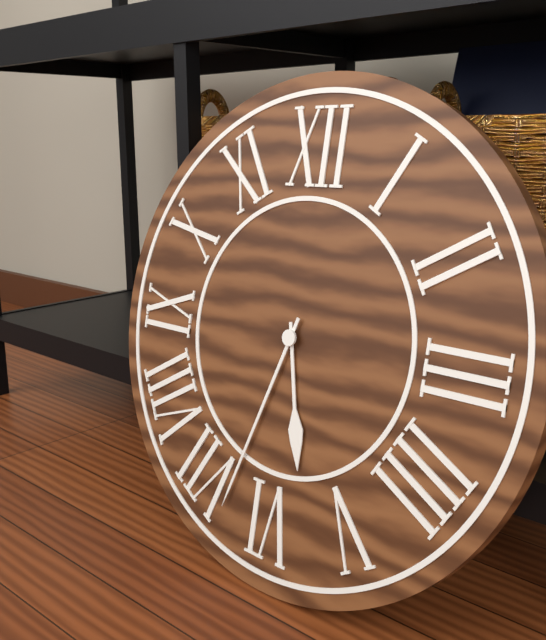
5:33
